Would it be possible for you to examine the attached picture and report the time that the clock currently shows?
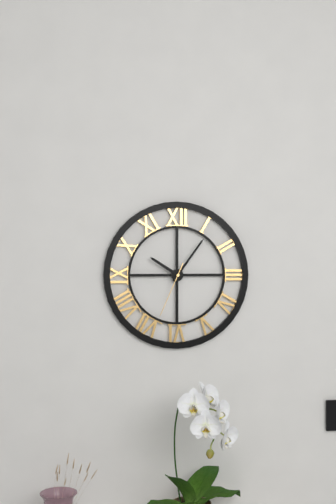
10:06:34
